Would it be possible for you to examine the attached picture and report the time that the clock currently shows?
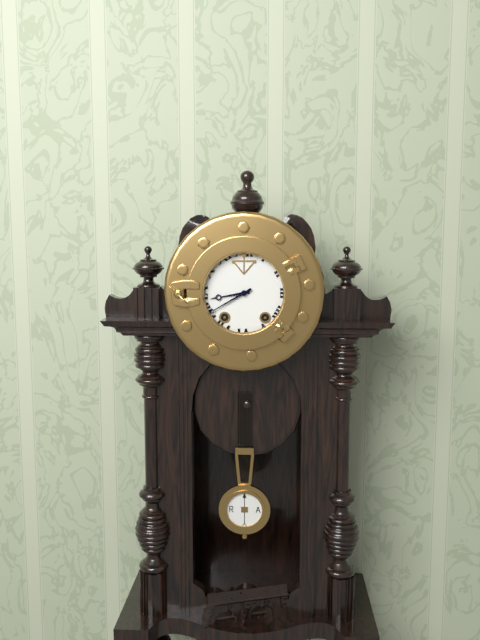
8:40
